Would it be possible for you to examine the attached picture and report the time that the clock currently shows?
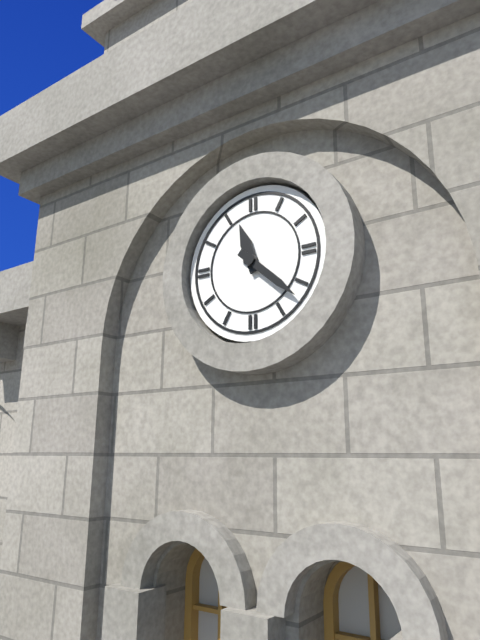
11:22
